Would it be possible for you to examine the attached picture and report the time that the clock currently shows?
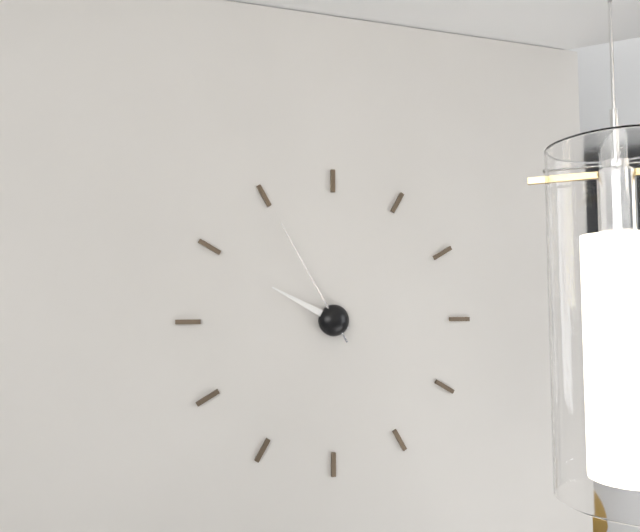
9:55
